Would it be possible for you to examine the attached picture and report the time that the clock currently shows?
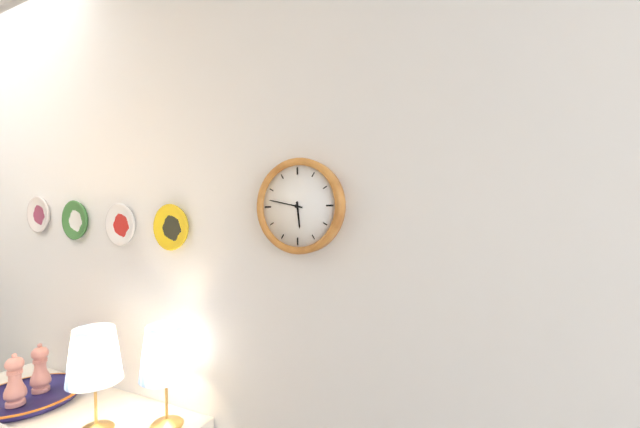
5:47
